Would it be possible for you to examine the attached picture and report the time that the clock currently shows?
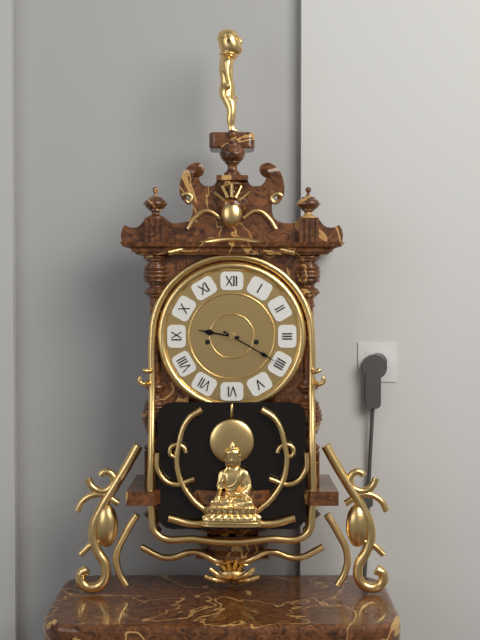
9:20
